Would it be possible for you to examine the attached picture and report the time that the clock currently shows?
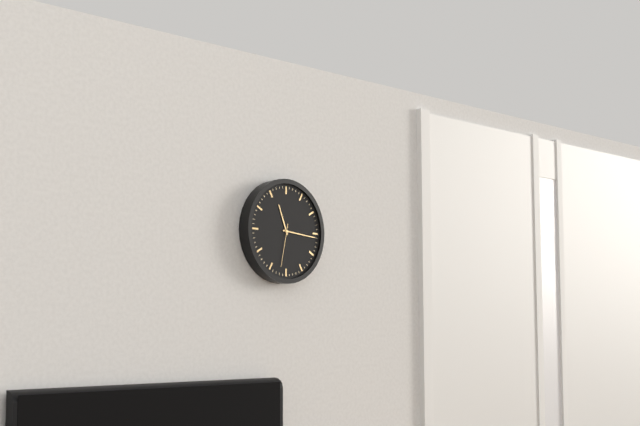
11:16
